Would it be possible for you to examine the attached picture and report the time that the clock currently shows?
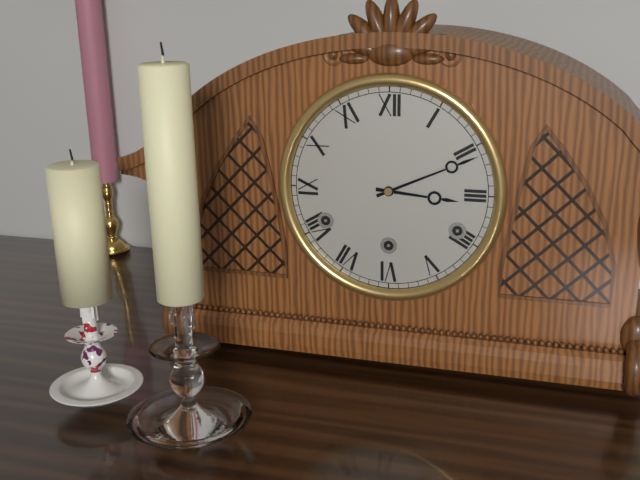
3:11
